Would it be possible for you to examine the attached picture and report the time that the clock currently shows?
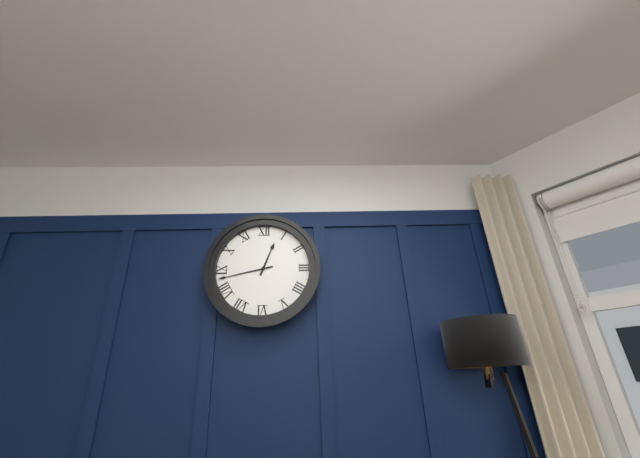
12:43
